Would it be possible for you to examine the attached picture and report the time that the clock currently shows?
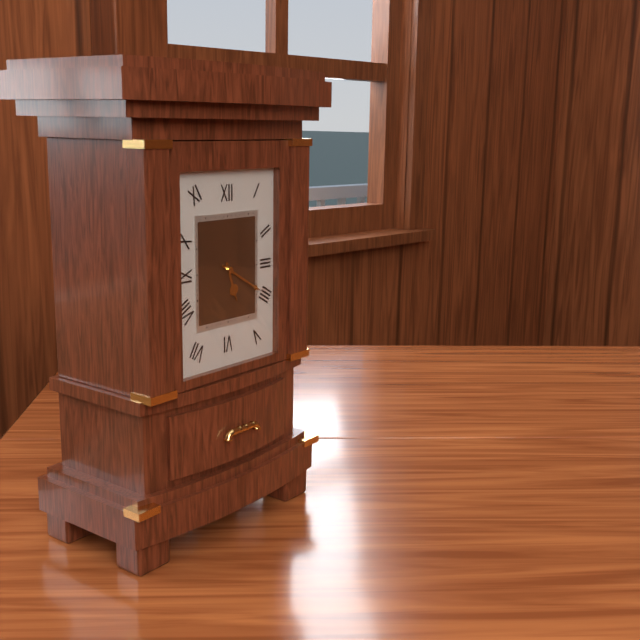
5:20
